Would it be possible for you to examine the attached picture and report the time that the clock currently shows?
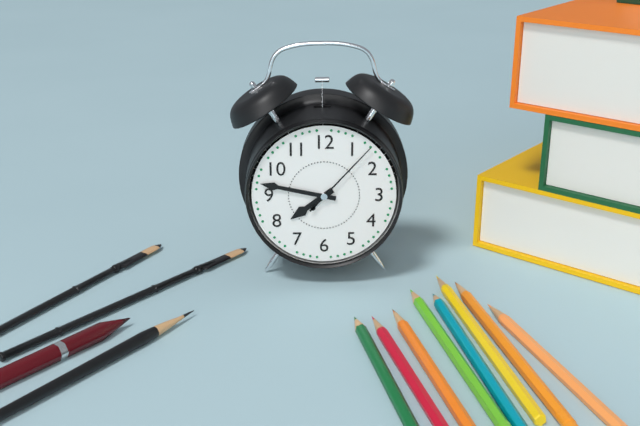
7:47:07
